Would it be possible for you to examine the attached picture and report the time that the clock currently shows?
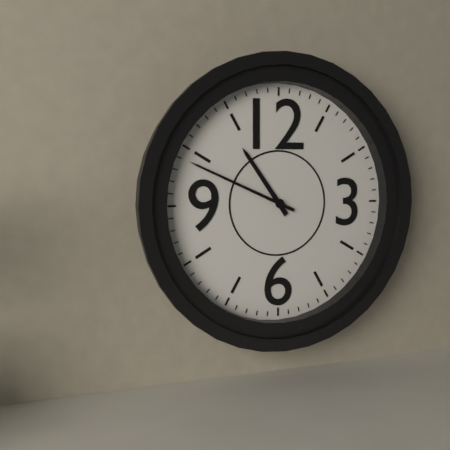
10:49
